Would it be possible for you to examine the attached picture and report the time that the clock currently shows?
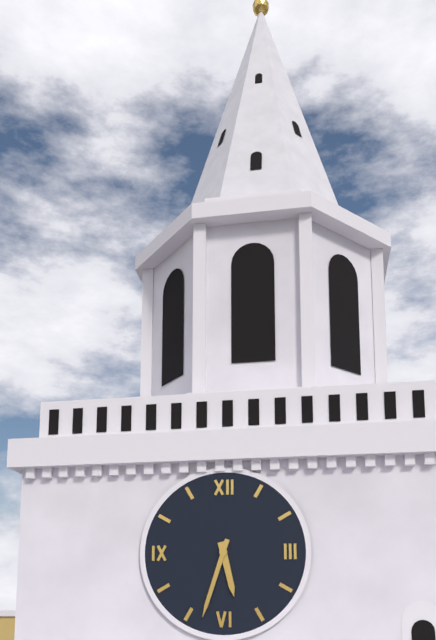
5:33
